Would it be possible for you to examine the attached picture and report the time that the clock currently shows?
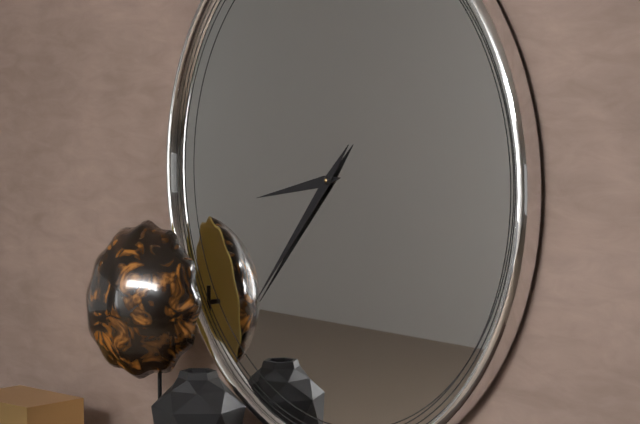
8:37
